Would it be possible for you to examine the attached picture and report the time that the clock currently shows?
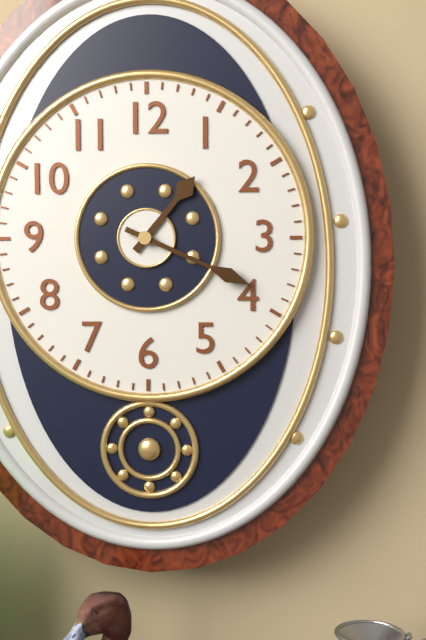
1:19
